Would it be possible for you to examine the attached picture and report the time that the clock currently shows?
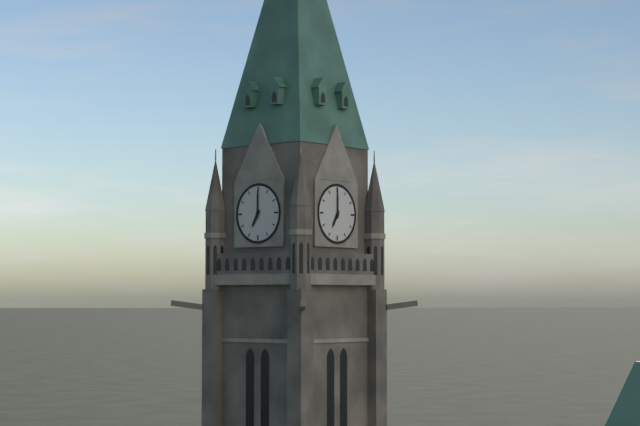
7:00
